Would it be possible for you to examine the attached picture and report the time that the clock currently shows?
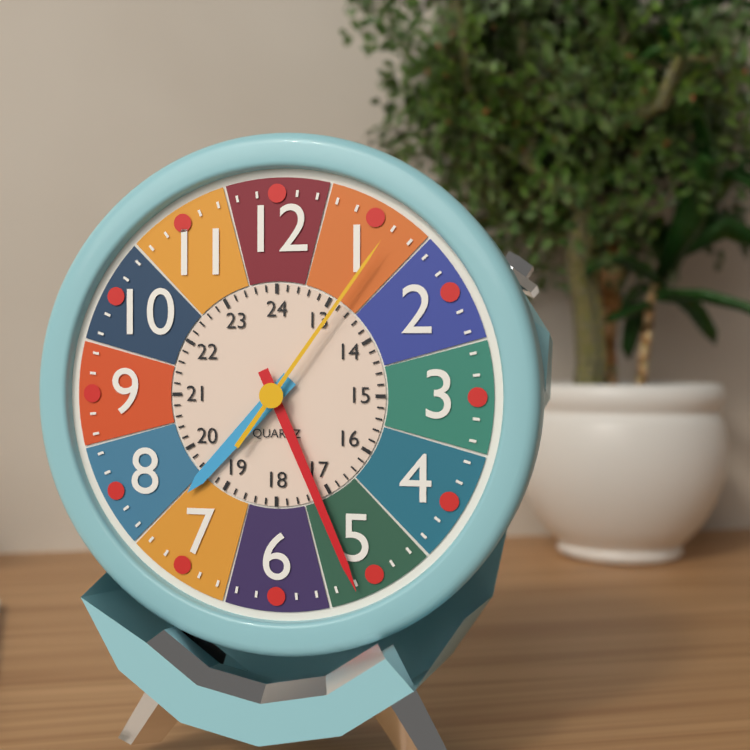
7:26:06
